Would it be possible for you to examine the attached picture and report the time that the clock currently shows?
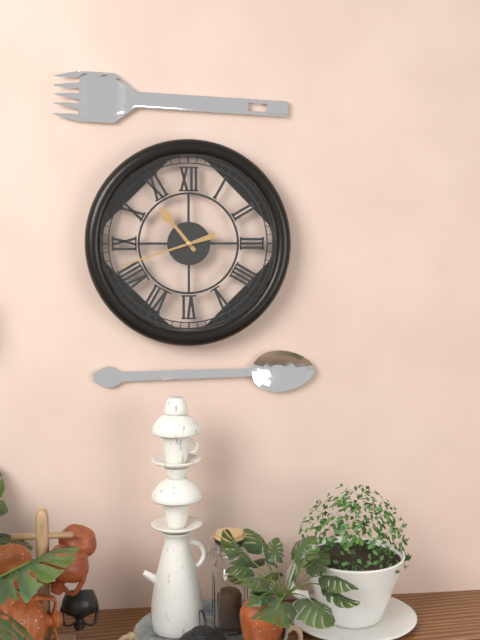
10:42
